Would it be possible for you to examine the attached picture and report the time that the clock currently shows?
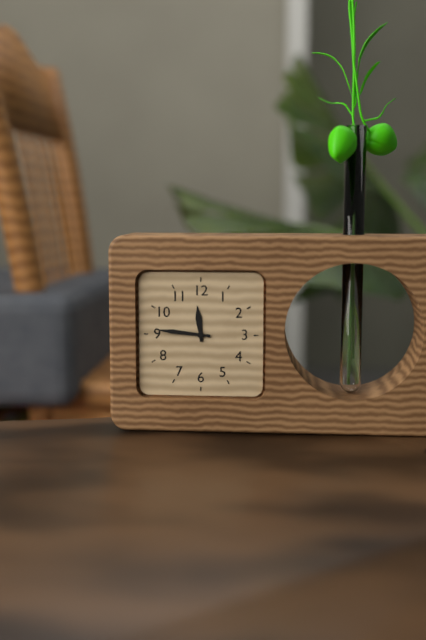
11:46
